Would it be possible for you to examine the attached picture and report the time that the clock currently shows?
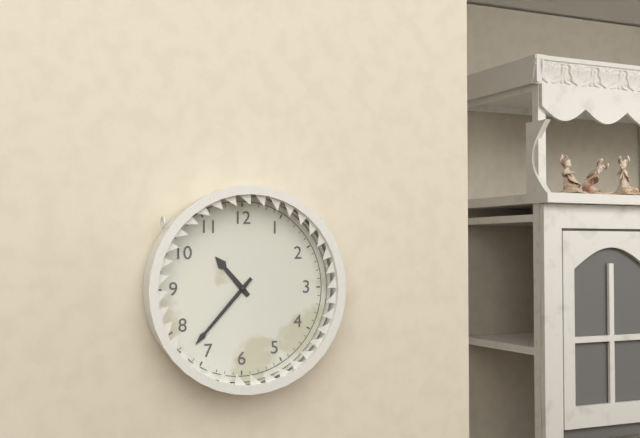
10:37
